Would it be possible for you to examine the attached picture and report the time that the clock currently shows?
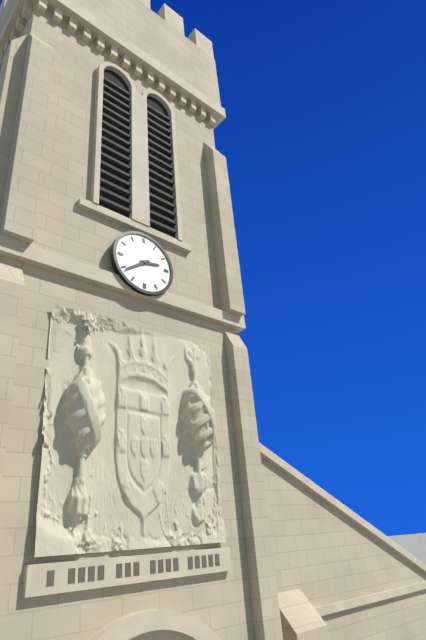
2:39
